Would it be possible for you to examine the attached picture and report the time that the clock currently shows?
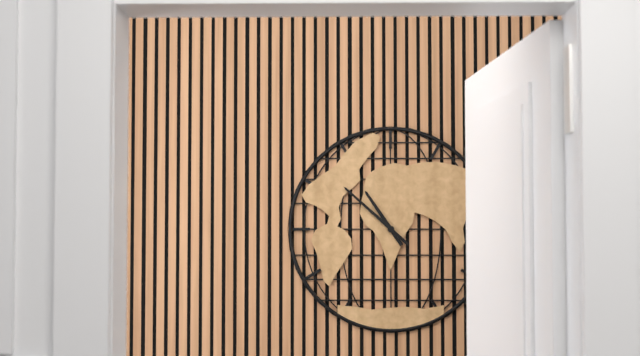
10:52
